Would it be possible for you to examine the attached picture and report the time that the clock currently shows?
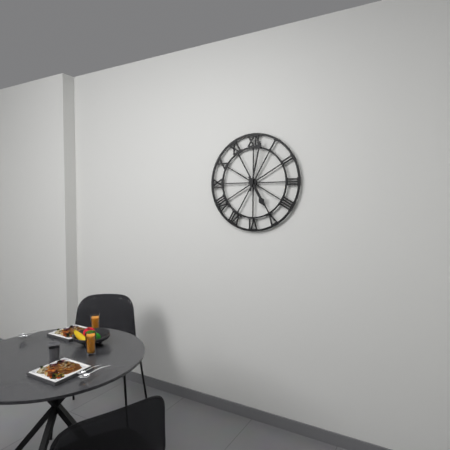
5:02
